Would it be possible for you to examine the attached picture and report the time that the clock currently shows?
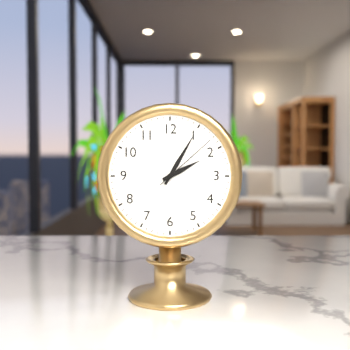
2:05:08
